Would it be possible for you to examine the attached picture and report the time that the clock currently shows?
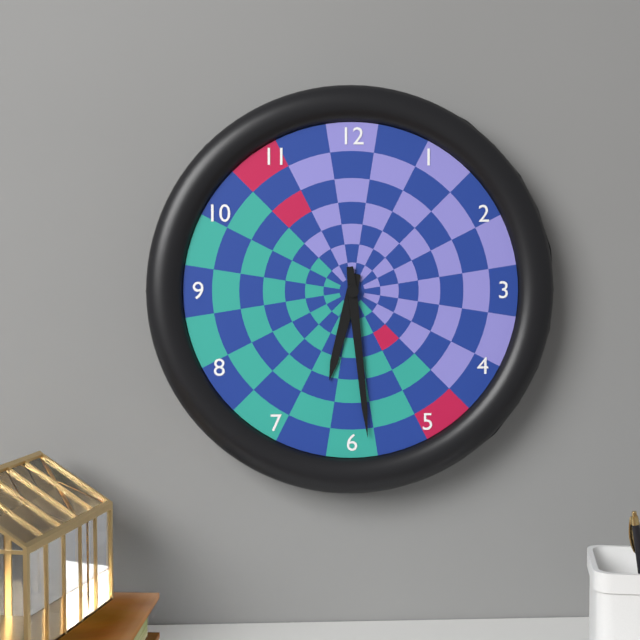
6:29
